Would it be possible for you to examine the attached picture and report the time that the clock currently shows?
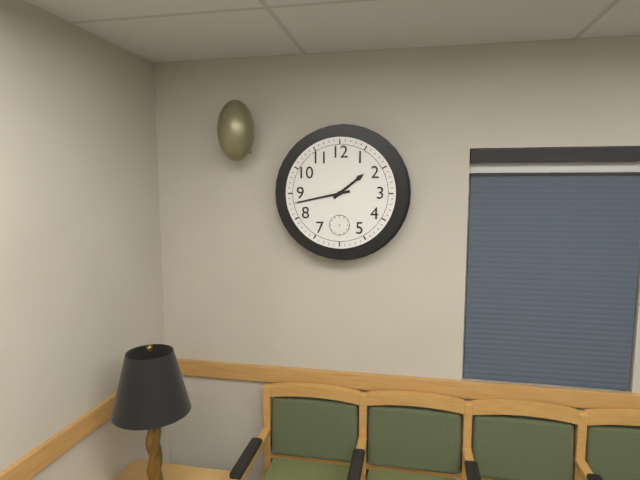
1:43
